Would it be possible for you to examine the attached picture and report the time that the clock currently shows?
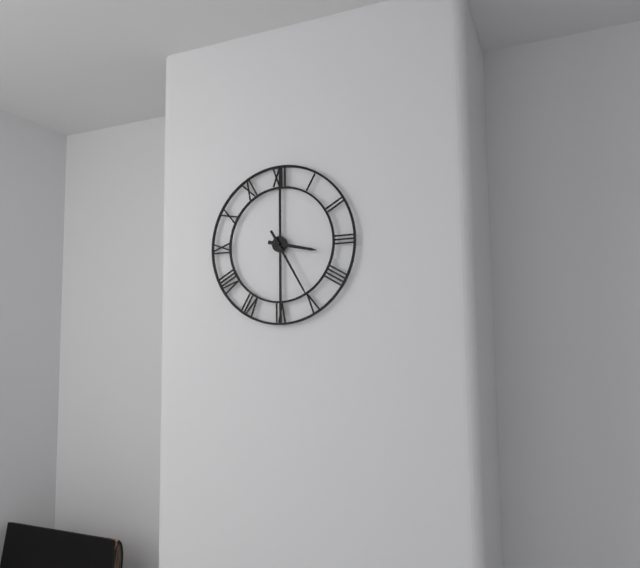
3:25
